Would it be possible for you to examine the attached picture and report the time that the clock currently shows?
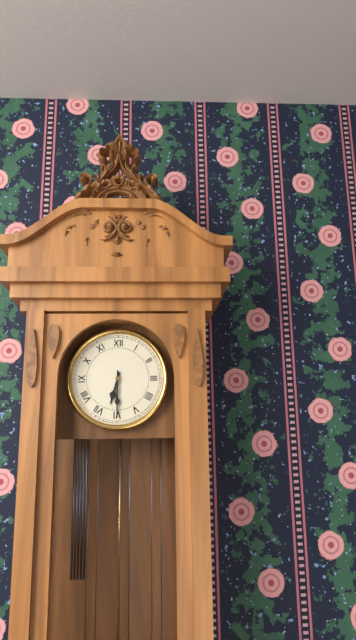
6:30
